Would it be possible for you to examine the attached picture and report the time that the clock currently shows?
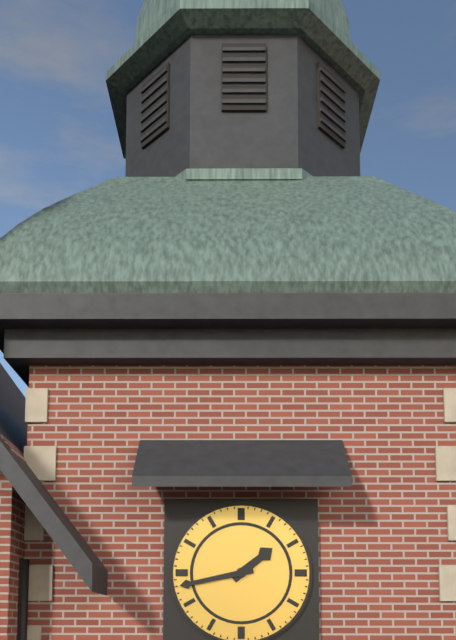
1:43
